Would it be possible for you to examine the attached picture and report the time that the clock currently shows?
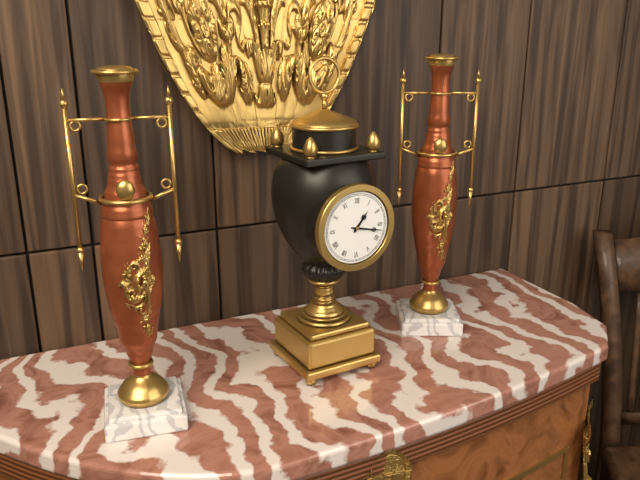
1:17
